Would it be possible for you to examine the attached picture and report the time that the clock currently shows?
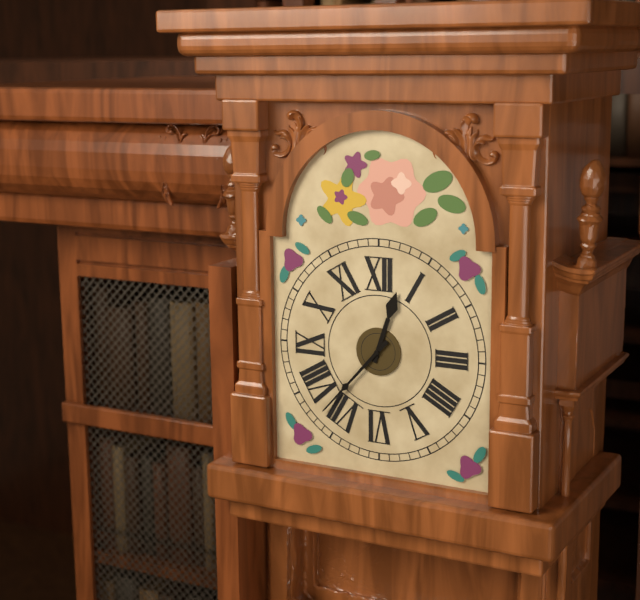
12:37
